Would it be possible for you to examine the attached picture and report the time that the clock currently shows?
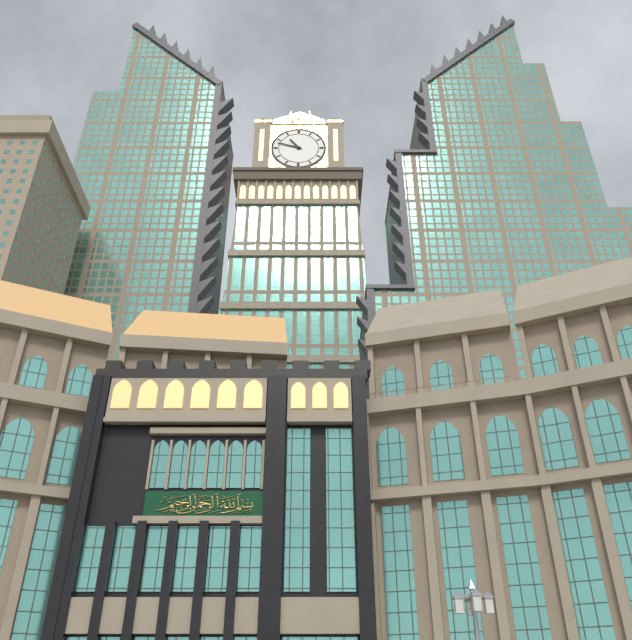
10:48
